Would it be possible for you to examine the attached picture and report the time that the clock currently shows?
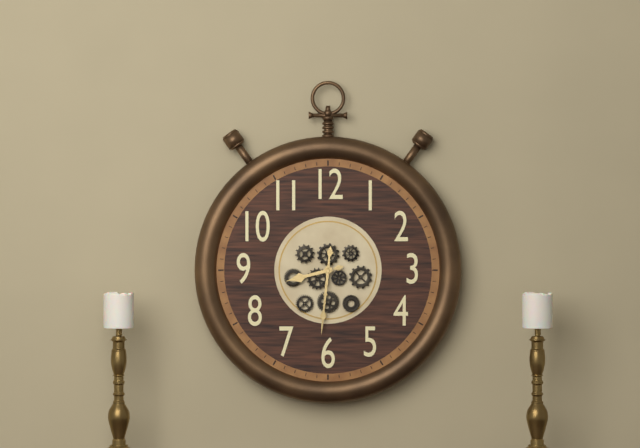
8:31
